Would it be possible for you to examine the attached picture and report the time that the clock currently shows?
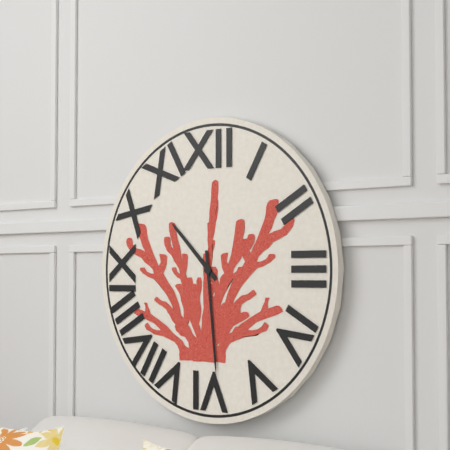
10:29
